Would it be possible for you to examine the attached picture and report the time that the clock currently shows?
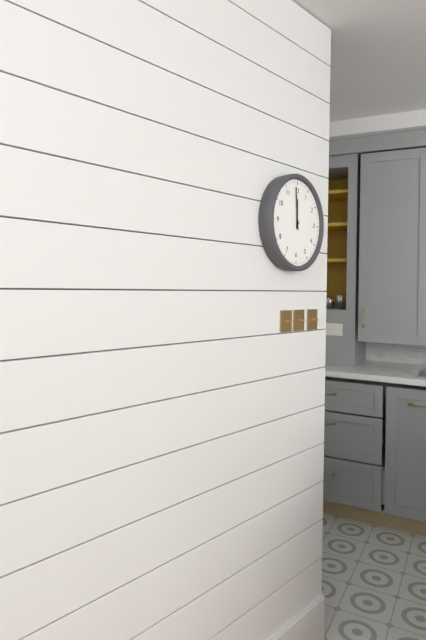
11:59
